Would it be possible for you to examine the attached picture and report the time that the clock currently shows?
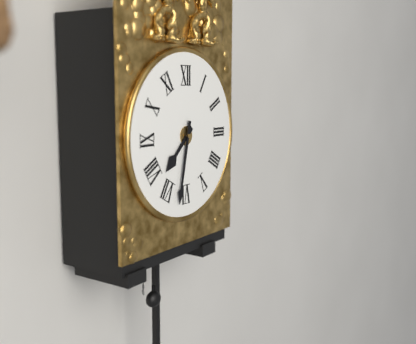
7:32
